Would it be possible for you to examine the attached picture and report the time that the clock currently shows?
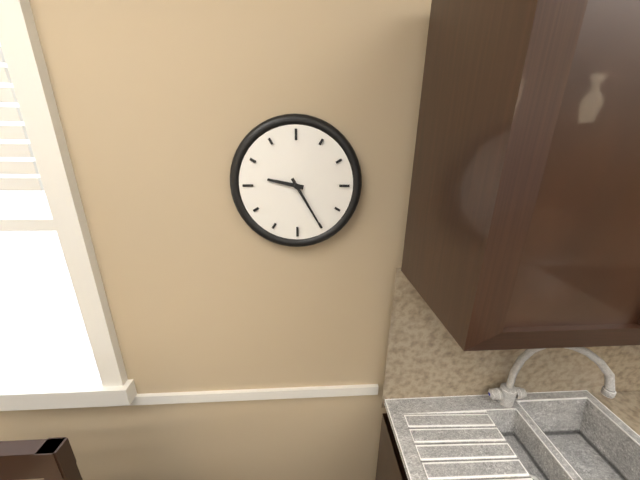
9:25
